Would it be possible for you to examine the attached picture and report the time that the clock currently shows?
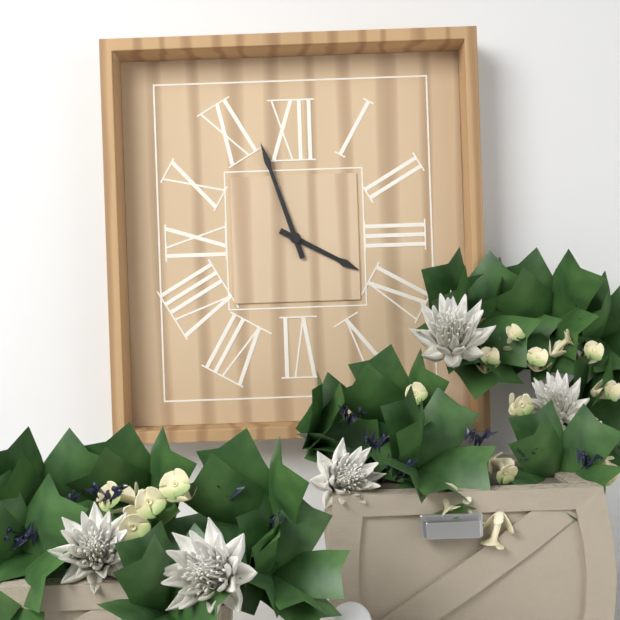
3:57
